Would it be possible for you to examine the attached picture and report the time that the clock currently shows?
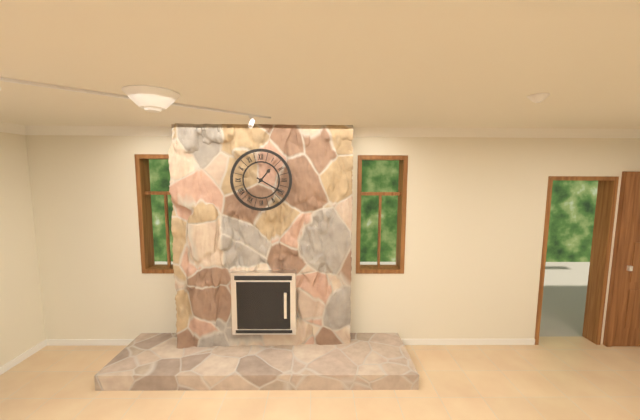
1:20
